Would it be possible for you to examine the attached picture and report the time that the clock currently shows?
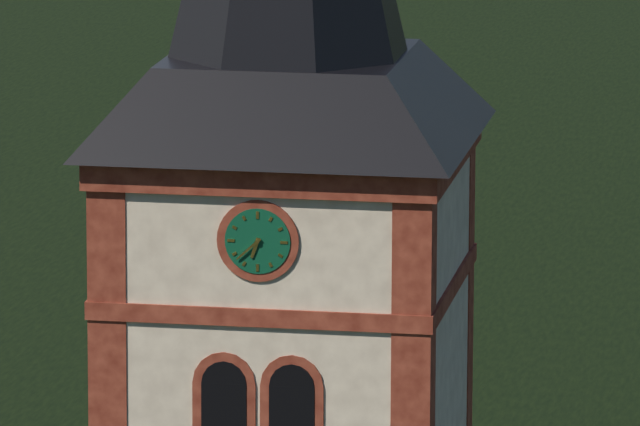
6:38
